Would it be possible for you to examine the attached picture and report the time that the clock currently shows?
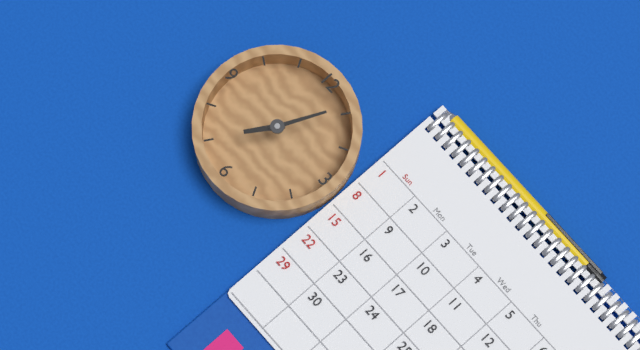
7:04
